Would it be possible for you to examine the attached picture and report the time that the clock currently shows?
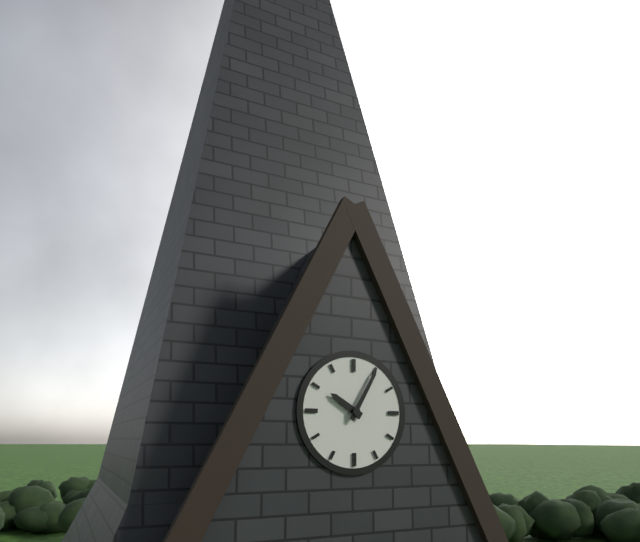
10:05
